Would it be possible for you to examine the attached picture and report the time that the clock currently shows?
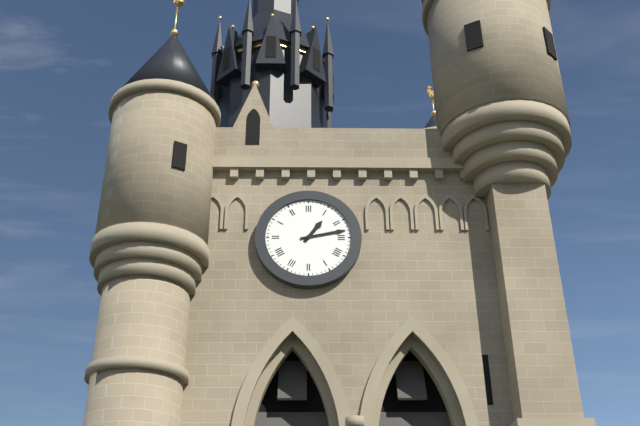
1:13
